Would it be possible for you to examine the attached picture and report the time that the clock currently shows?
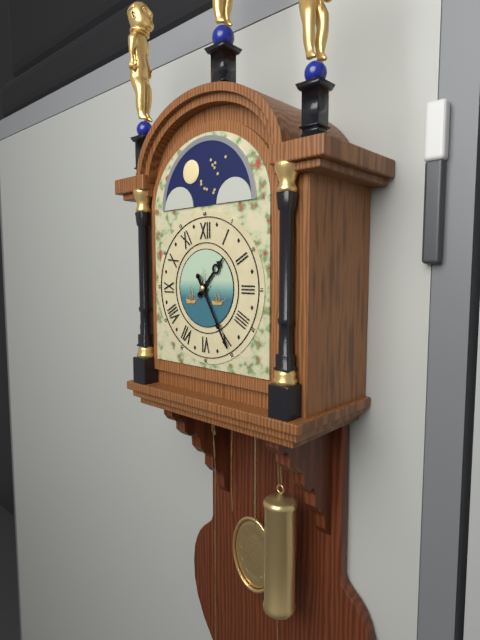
1:25
